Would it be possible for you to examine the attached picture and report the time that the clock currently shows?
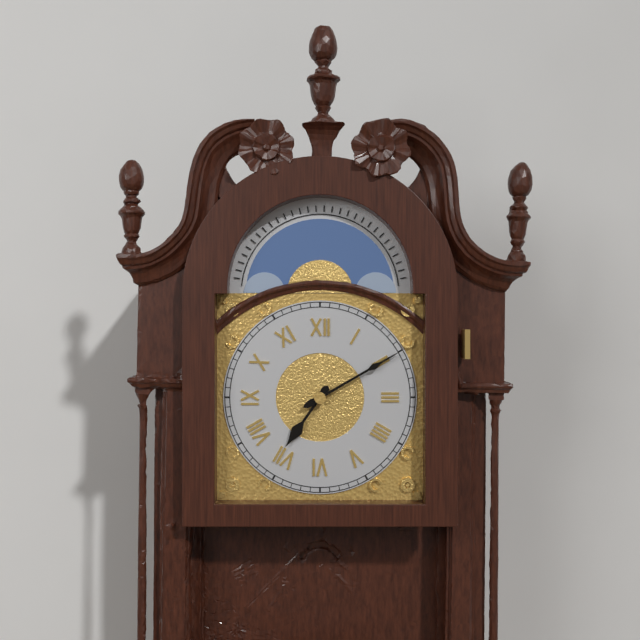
7:10
